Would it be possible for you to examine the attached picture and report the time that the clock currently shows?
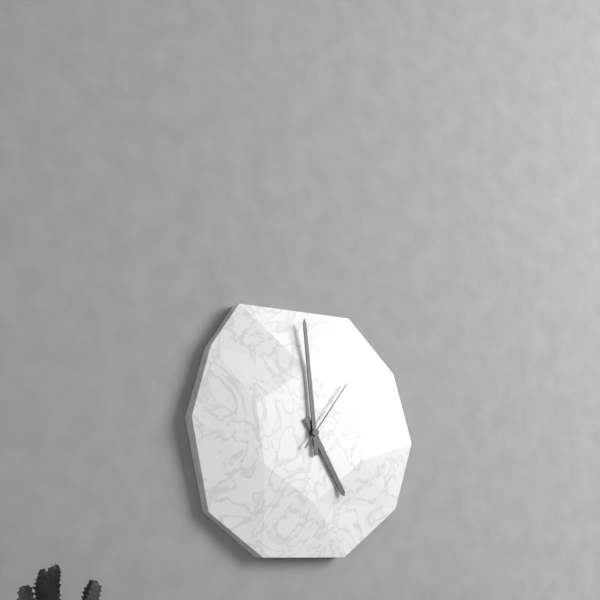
4:59:06
